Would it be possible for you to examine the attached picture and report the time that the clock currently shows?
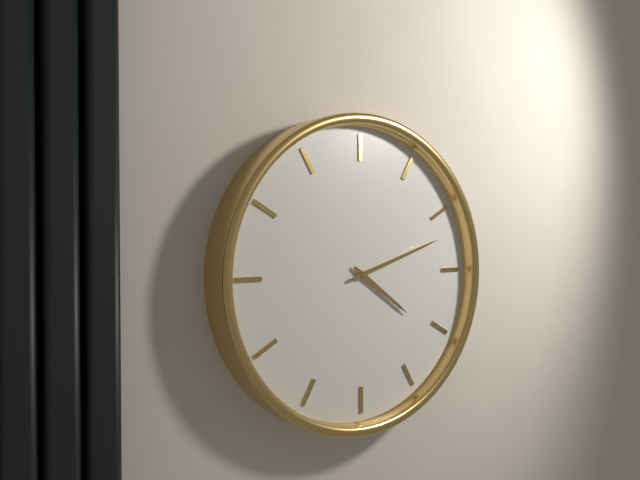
4:12
